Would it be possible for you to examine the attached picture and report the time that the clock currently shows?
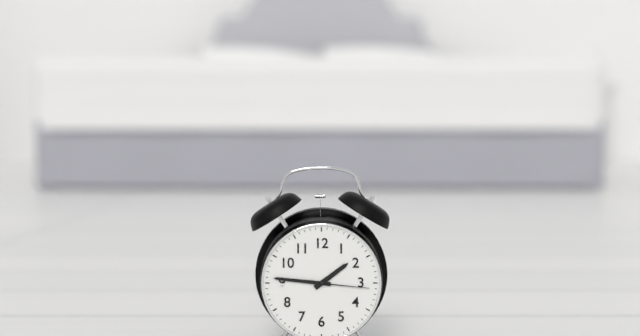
1:46:16
